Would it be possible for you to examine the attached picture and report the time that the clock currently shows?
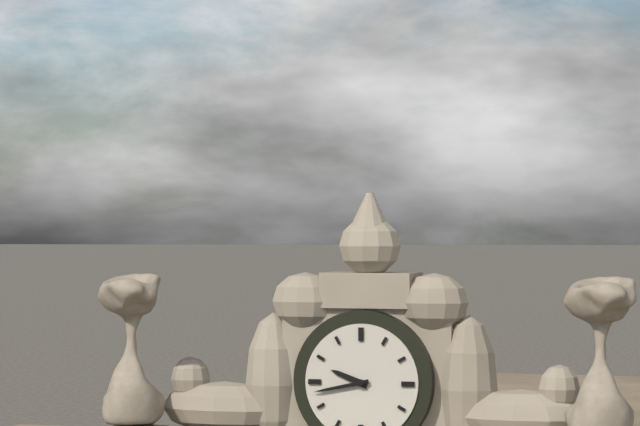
9:43
